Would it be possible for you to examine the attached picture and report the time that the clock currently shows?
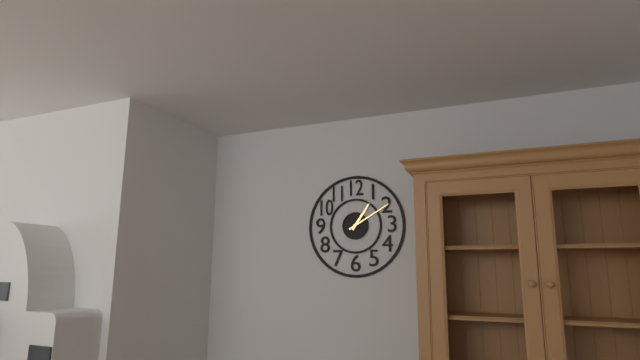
1:10
